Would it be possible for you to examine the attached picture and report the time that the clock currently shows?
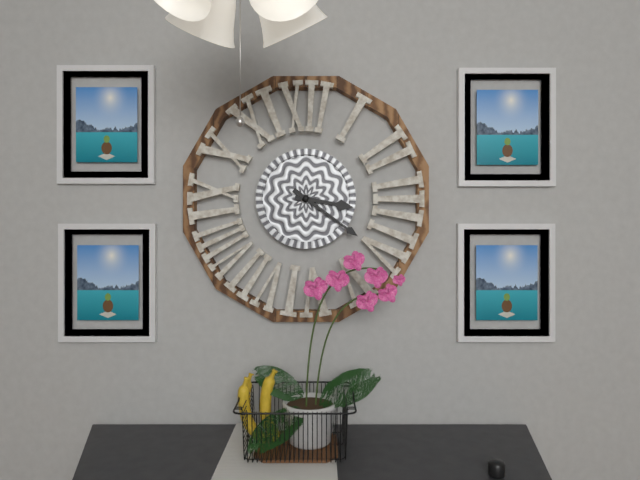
3:21
